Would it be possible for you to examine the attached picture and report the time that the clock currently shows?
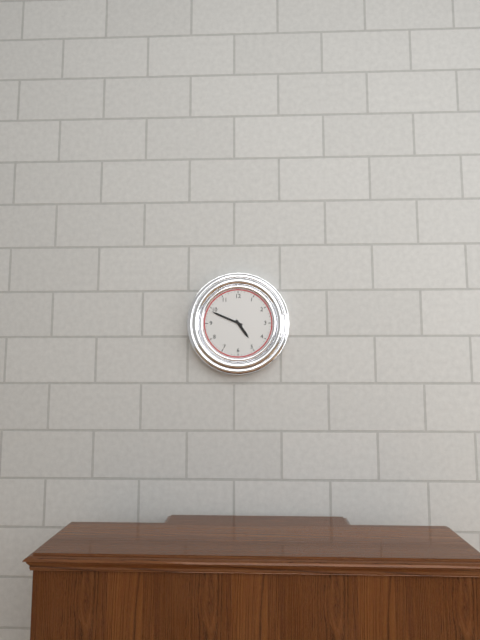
4:49
